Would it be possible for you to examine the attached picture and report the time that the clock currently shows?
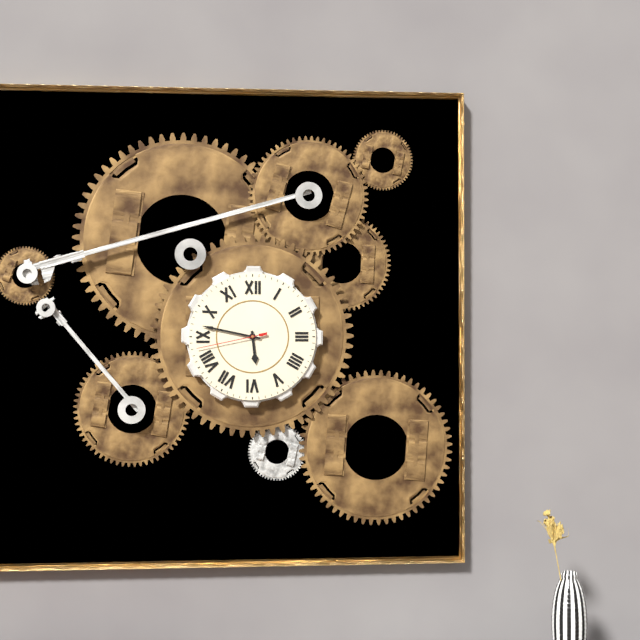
5:47:43
